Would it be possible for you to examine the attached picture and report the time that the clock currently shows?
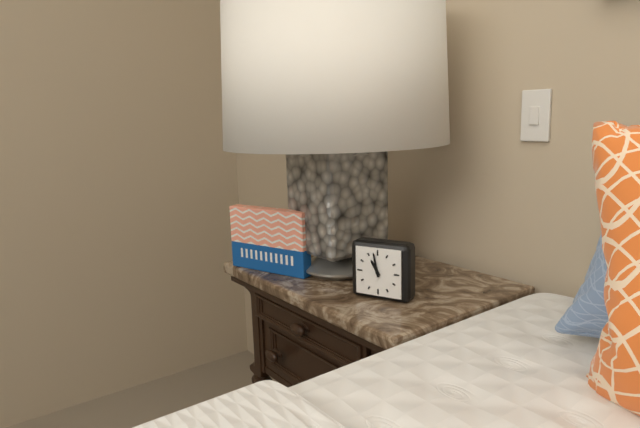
10:58
